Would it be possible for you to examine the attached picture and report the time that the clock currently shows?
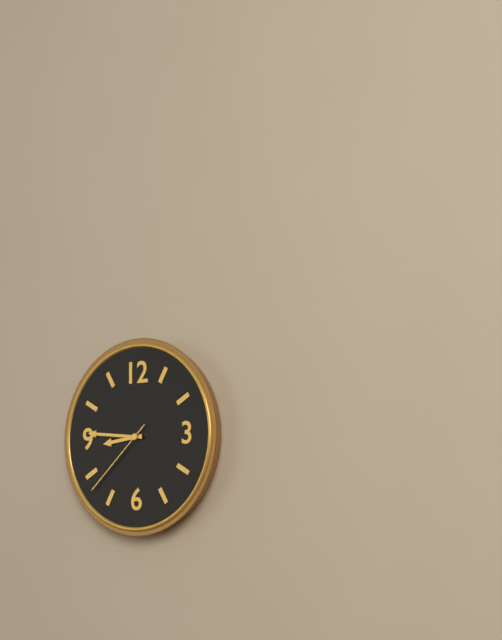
8:46:38
